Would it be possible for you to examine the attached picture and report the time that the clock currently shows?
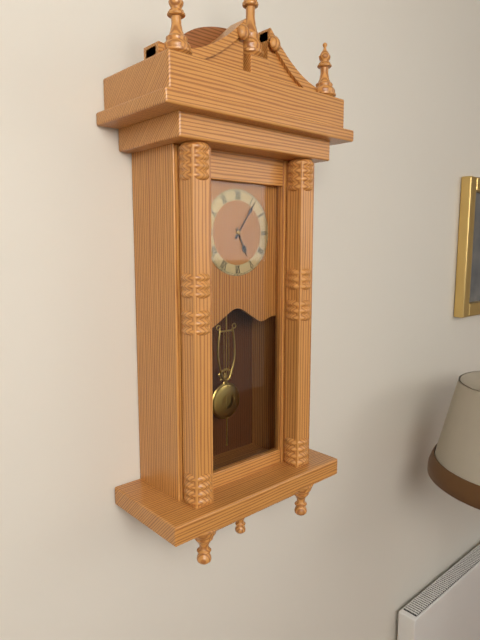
5:06
